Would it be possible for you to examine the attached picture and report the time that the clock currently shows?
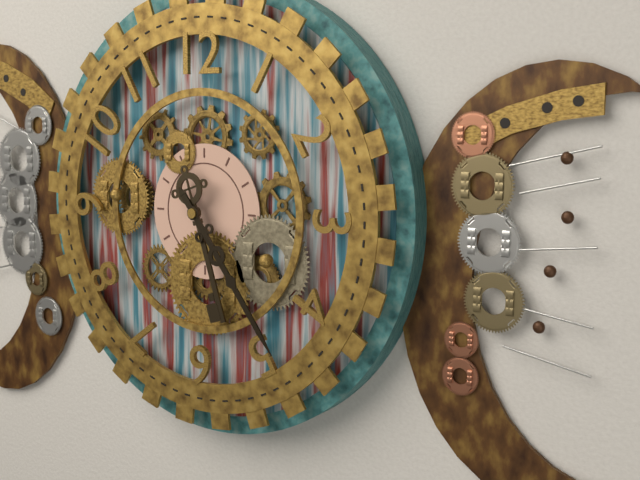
5:24
